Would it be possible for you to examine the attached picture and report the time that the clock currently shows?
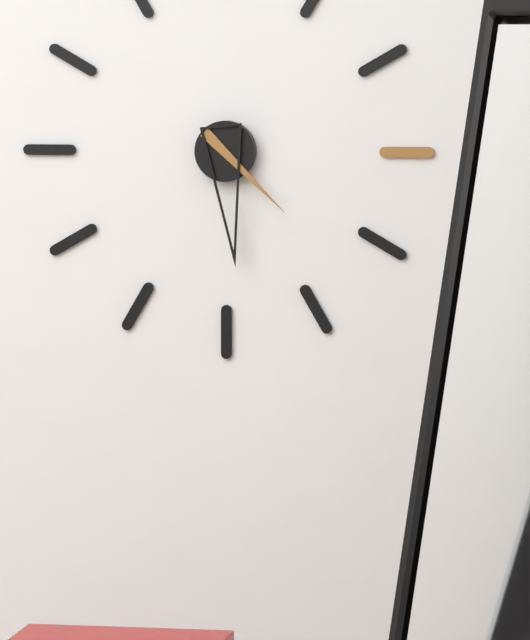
4:29
